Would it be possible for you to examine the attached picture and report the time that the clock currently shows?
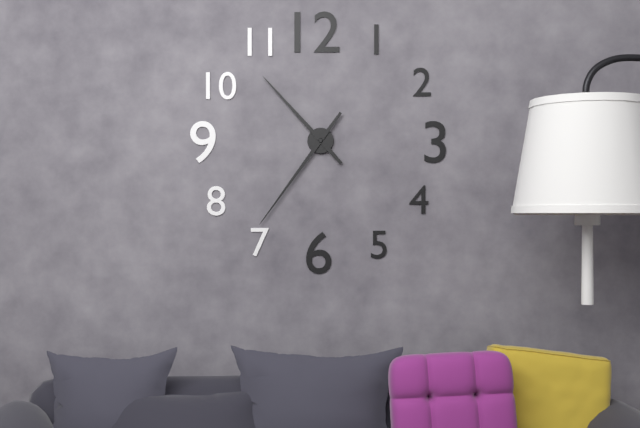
10:36
